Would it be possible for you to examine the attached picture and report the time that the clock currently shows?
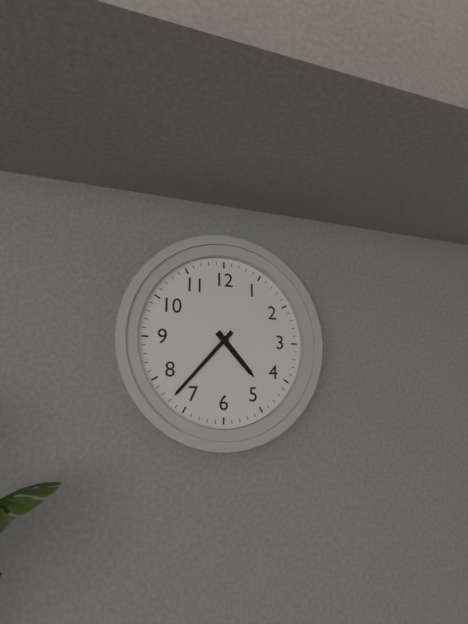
4:37
